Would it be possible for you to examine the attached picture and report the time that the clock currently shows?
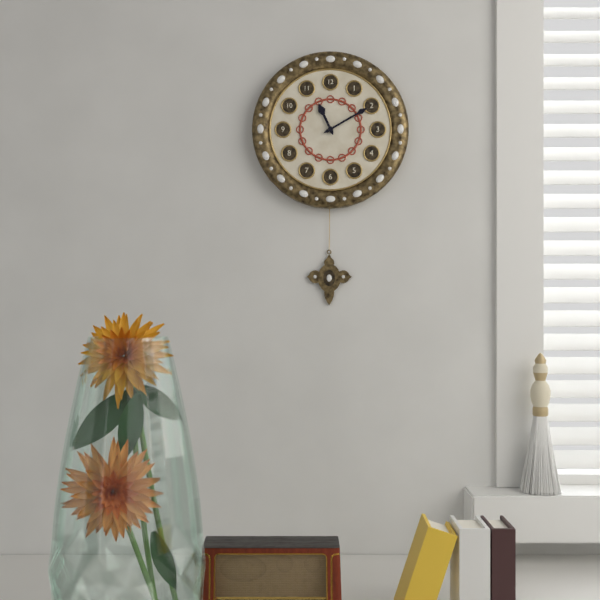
11:10
